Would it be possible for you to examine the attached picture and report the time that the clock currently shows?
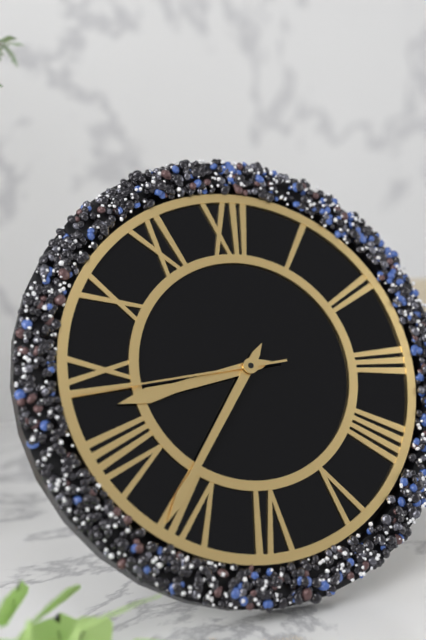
8:36:44
